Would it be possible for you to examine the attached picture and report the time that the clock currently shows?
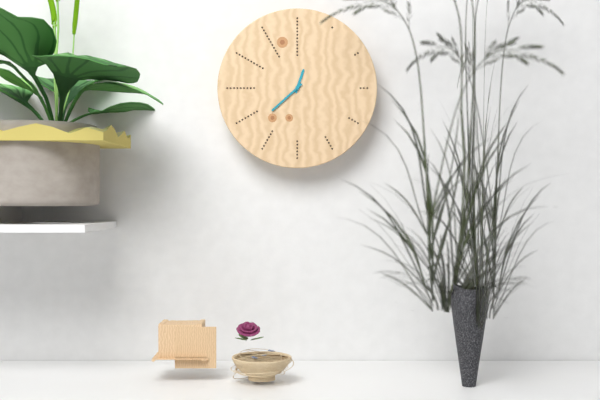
12:38
